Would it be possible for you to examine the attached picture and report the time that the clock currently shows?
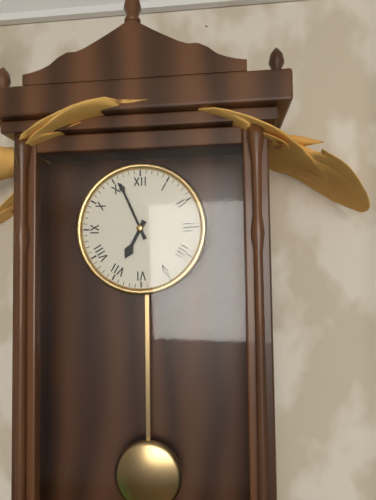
6:56
